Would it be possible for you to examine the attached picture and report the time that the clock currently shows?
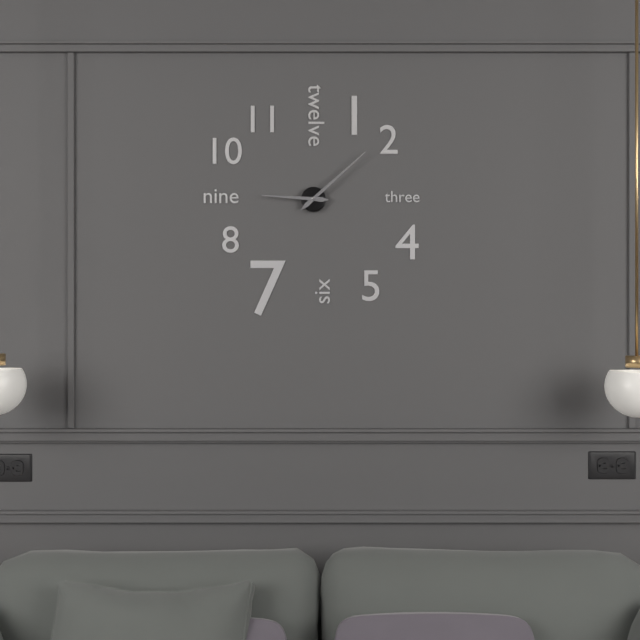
9:08
